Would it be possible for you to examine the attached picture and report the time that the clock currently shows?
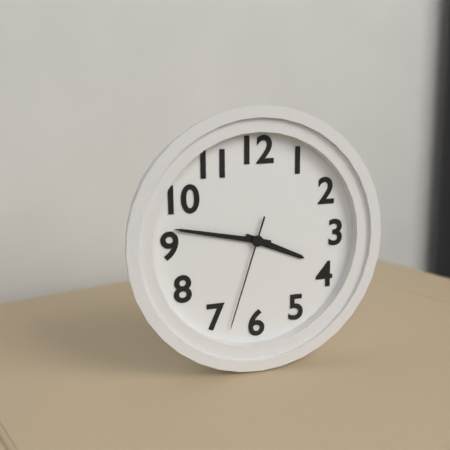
3:47:33
